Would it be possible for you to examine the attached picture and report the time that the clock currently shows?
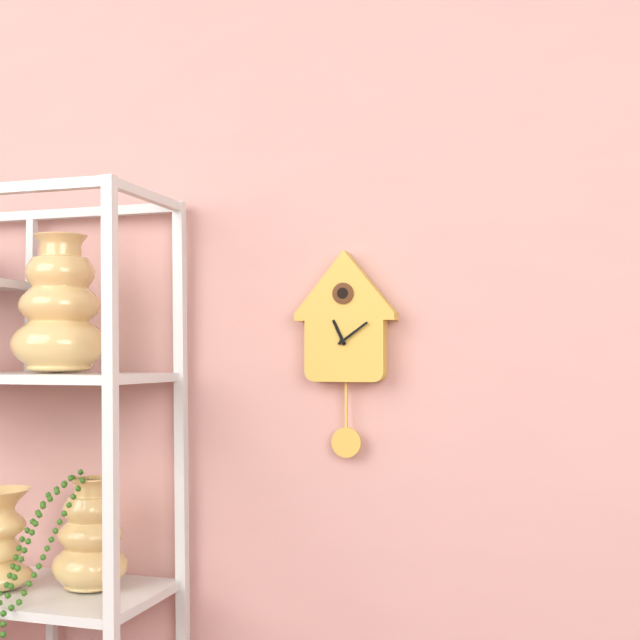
11:09
